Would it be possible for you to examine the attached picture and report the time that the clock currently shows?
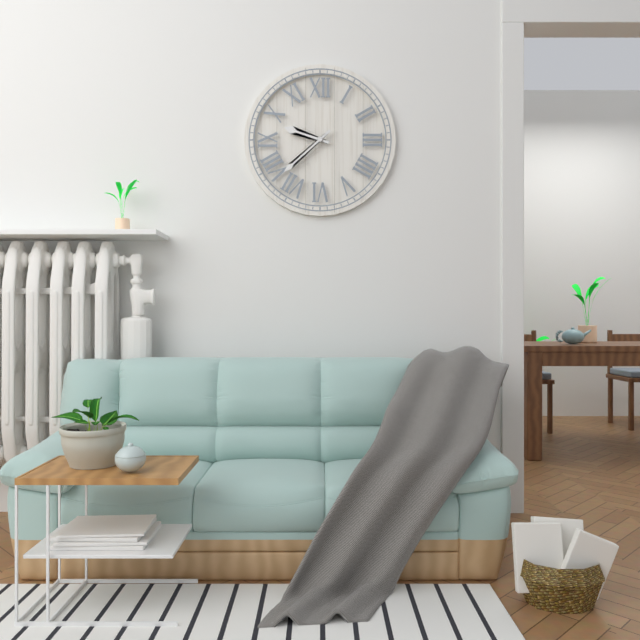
9:38
